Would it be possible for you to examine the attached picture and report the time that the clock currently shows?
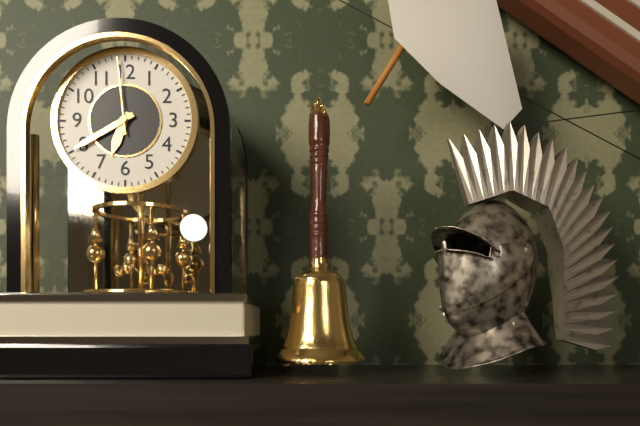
6:40:59
